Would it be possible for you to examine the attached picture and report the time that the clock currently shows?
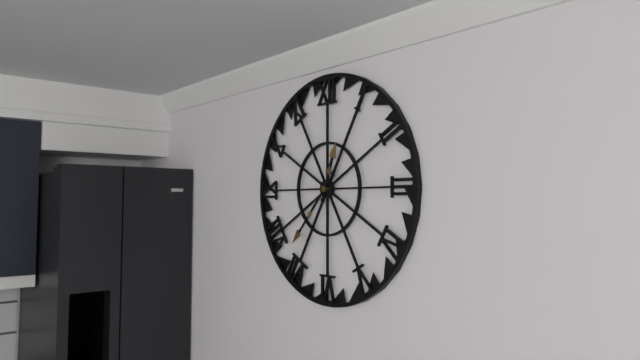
12:37
